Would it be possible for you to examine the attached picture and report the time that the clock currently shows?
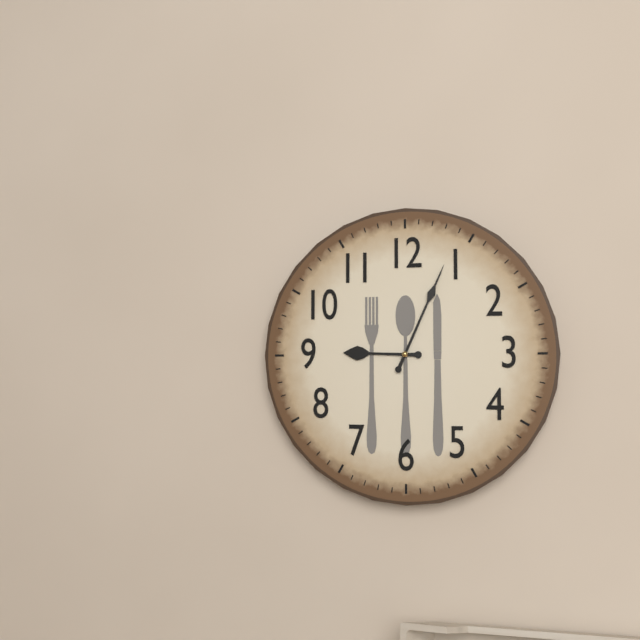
9:04
